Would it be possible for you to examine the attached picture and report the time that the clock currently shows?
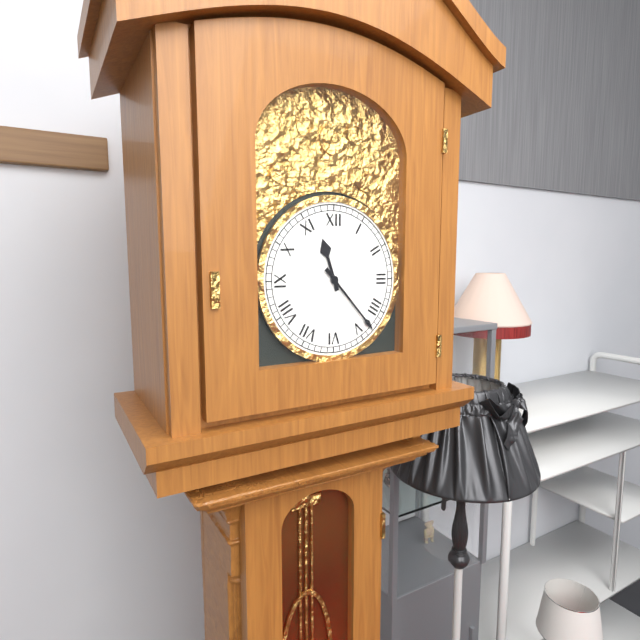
11:23
